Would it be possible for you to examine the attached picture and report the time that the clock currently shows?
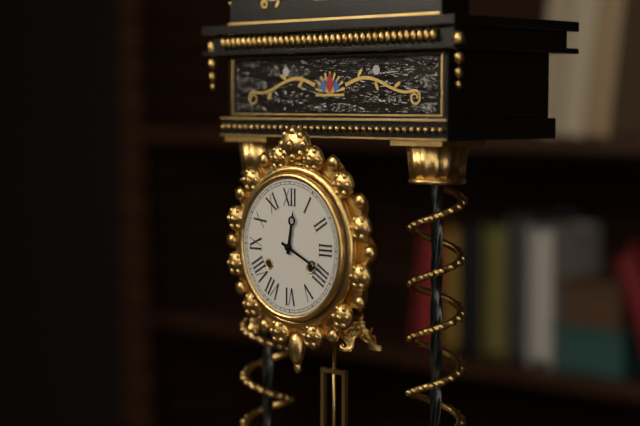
12:19
